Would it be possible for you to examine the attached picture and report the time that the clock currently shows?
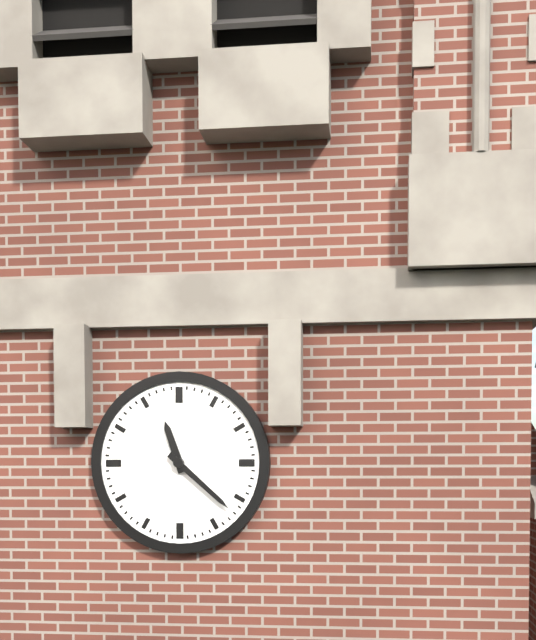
11:22
